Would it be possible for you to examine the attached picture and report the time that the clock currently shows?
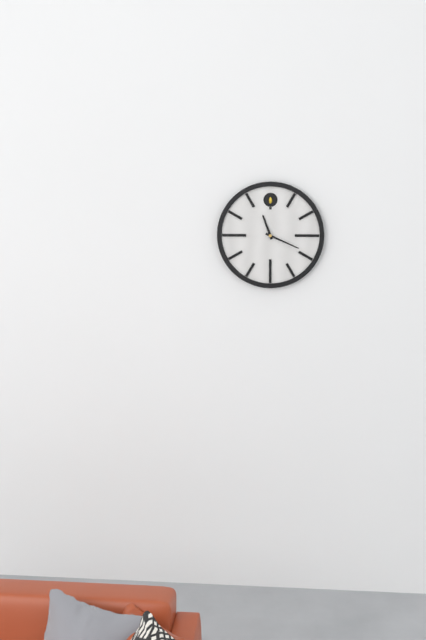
11:19
